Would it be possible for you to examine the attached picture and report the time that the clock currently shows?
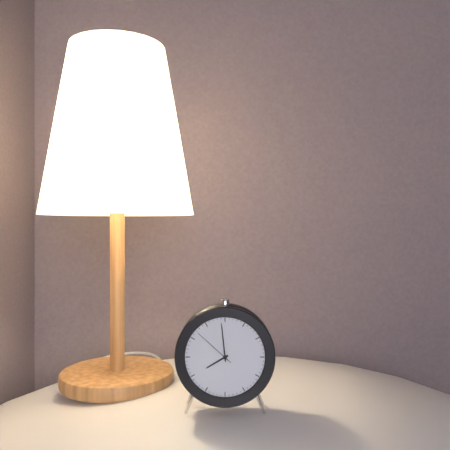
7:59
